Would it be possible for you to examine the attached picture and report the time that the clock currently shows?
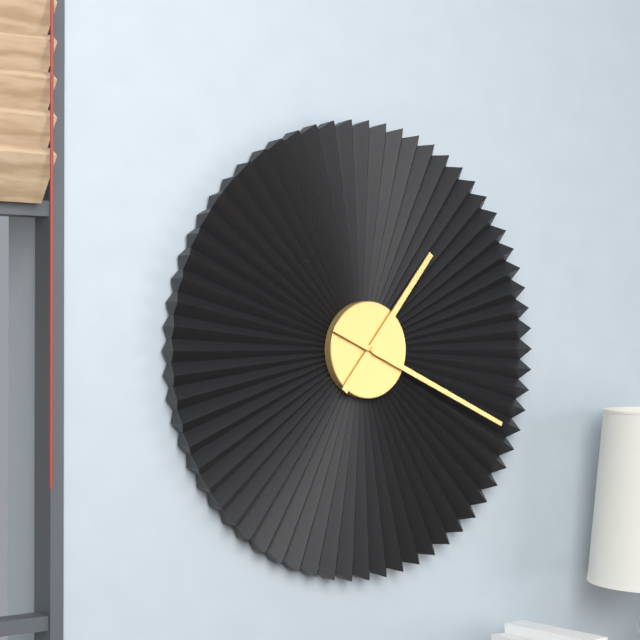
1:19
